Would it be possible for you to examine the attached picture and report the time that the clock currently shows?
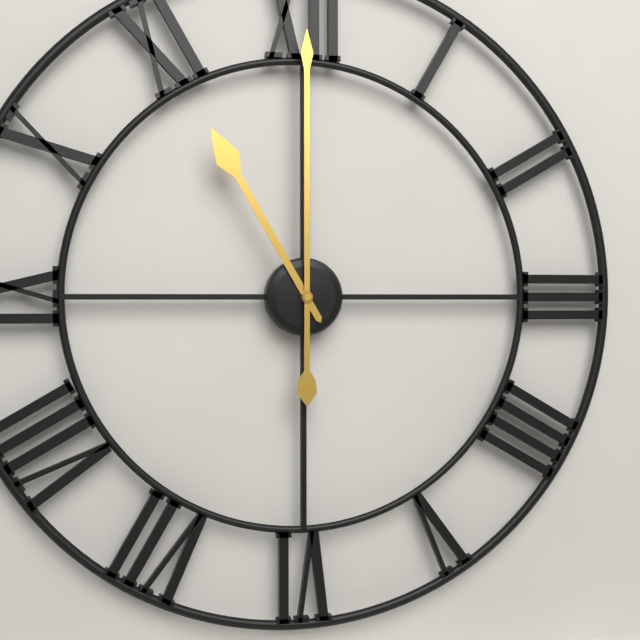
11:00
